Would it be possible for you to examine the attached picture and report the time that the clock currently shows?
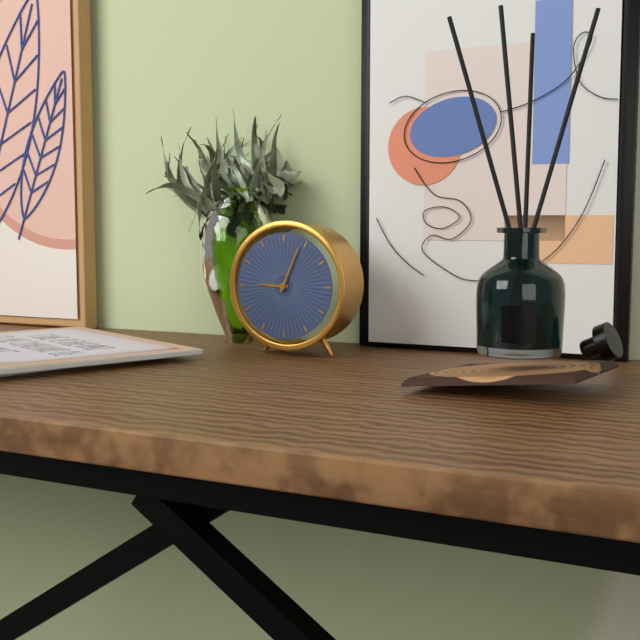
9:04
